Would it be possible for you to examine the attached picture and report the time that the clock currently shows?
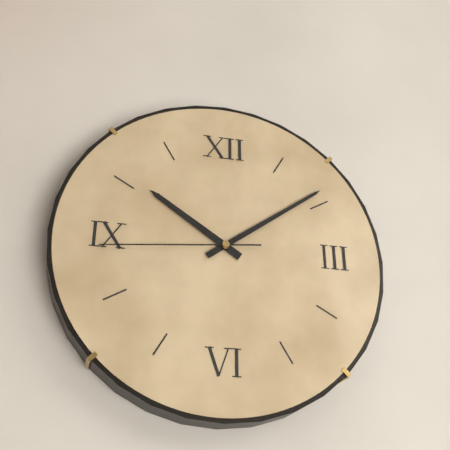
10:09:44
